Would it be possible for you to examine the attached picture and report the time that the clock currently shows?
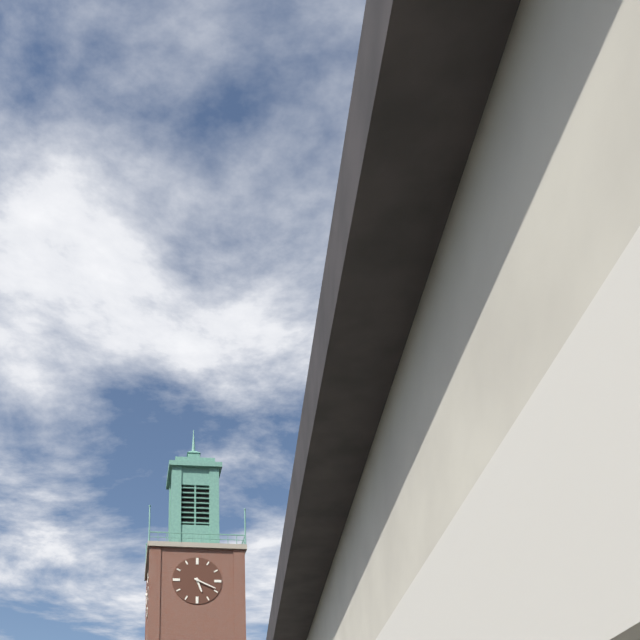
5:19
